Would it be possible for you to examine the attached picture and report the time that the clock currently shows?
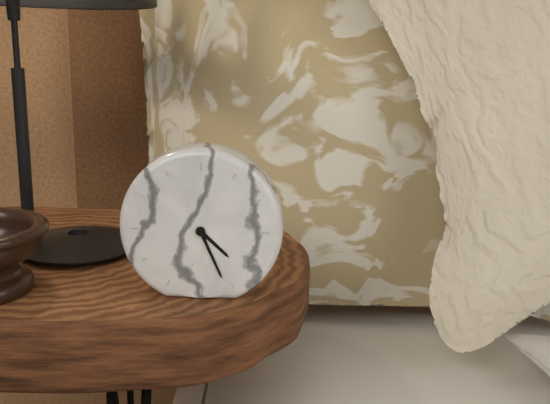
4:26
